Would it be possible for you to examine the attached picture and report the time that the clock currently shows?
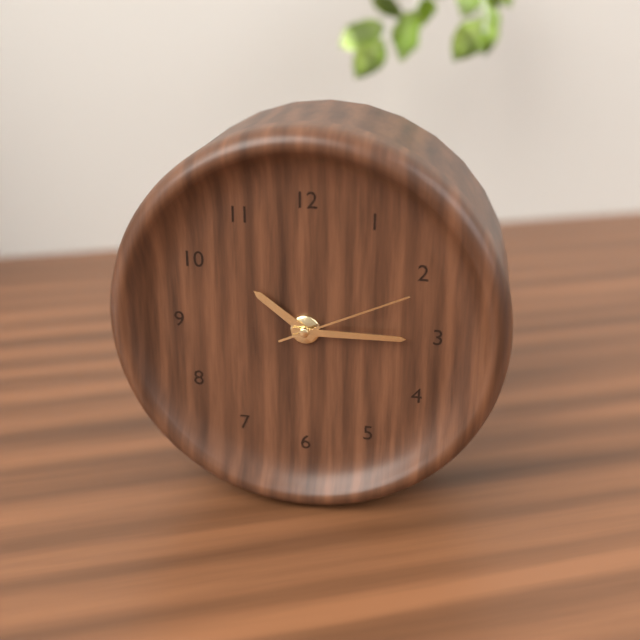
10:15:11
